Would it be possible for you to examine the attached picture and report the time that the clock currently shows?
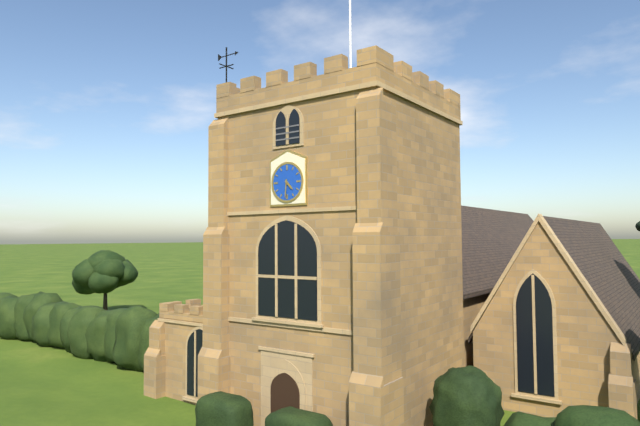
4:31
